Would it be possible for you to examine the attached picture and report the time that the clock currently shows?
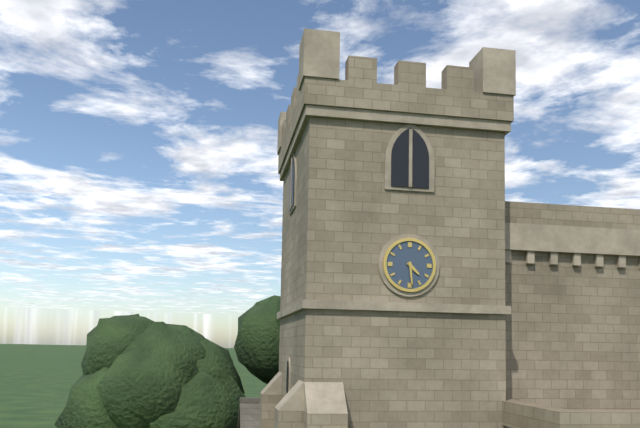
4:29
